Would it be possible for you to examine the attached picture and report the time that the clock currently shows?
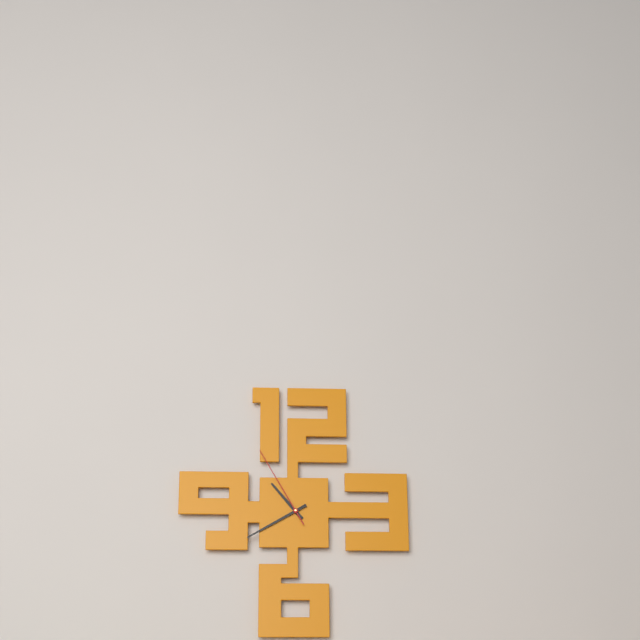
10:40:55
